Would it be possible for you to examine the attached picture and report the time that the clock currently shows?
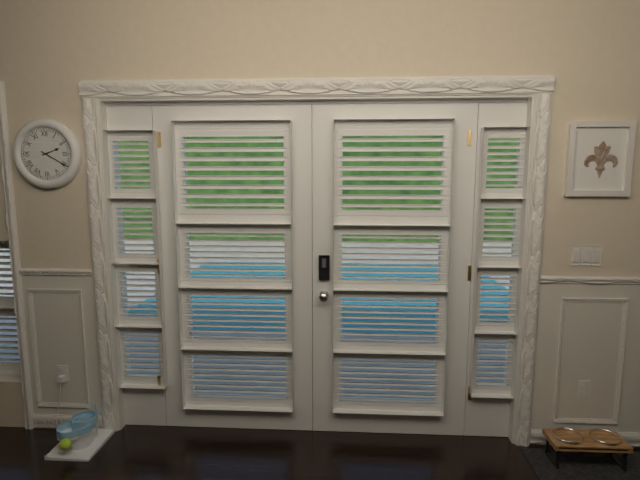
2:20
